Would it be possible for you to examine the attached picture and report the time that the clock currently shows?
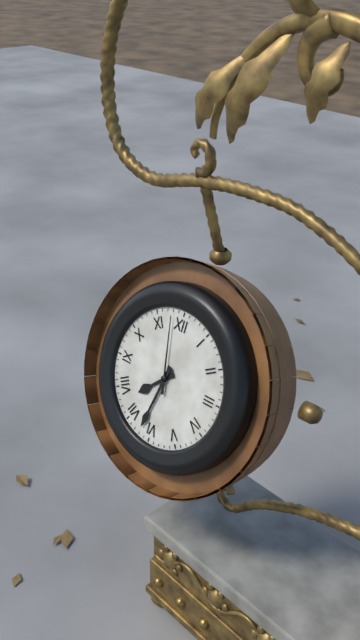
7:32:58
